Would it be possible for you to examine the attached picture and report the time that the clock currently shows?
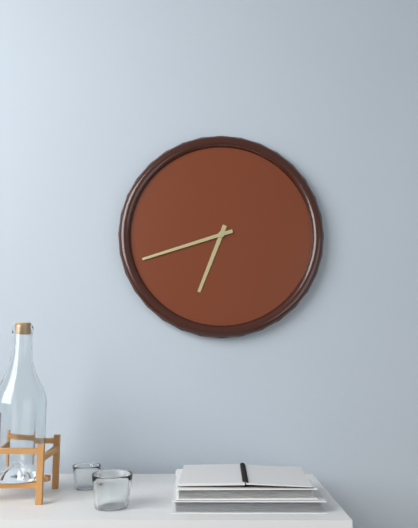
6:42
